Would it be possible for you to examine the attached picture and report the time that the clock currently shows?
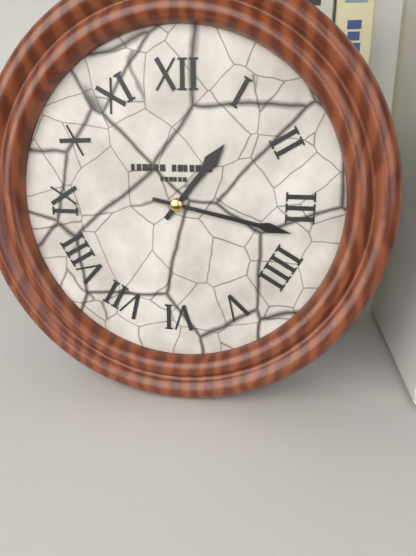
1:17
